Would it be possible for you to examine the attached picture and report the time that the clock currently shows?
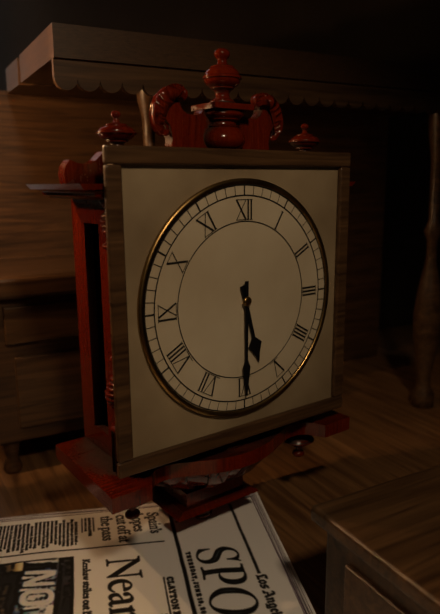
5:30
